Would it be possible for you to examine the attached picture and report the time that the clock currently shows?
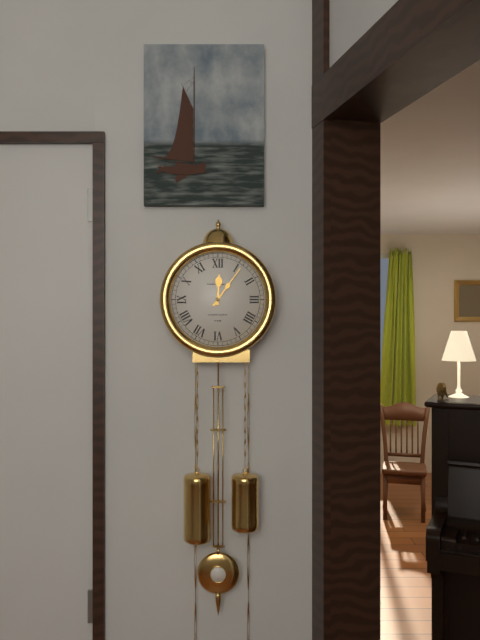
12:06
